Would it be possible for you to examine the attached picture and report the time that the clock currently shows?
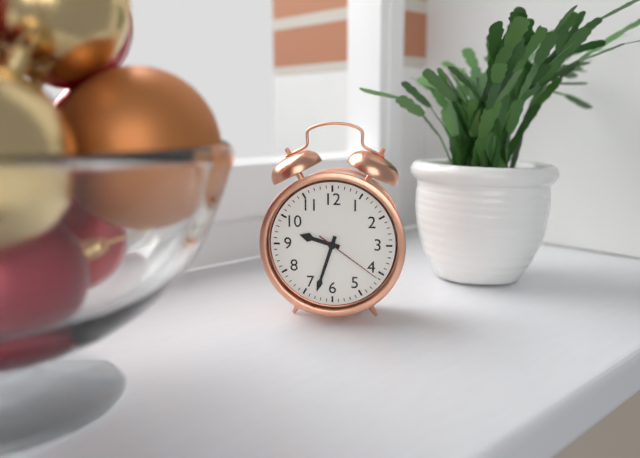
9:33:21
